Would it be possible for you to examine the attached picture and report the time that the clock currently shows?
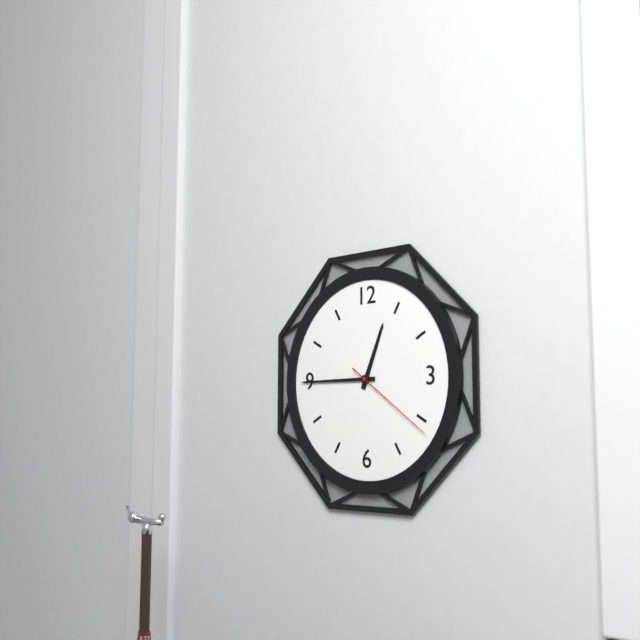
12:45:21
